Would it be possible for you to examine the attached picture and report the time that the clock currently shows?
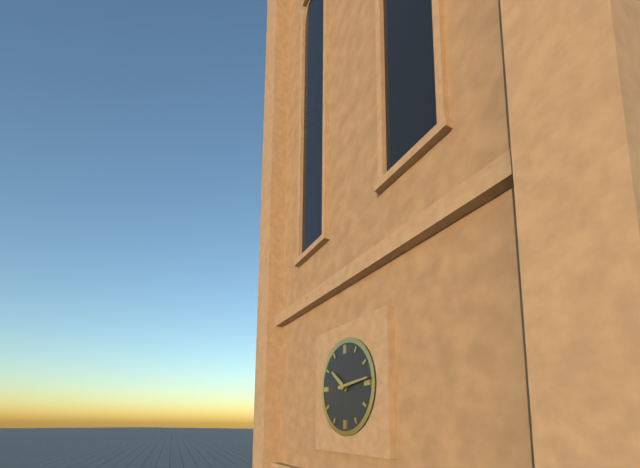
10:14
